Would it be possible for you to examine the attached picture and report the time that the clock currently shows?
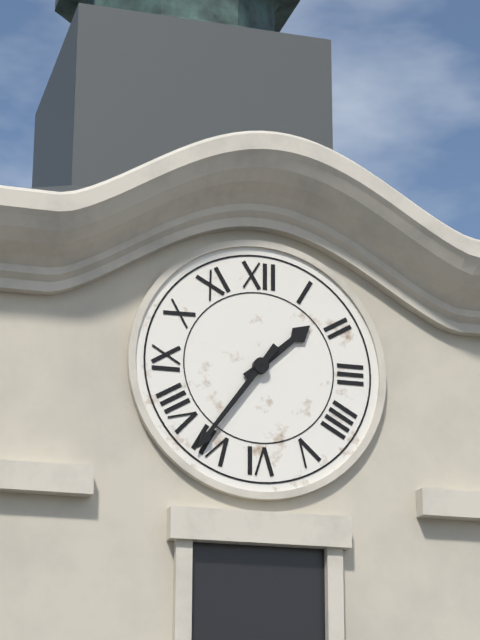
1:36
